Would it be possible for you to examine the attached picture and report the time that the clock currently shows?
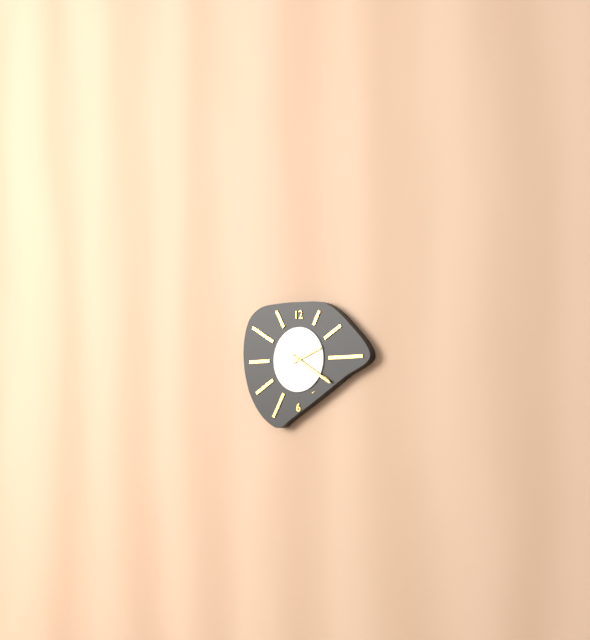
2:20
